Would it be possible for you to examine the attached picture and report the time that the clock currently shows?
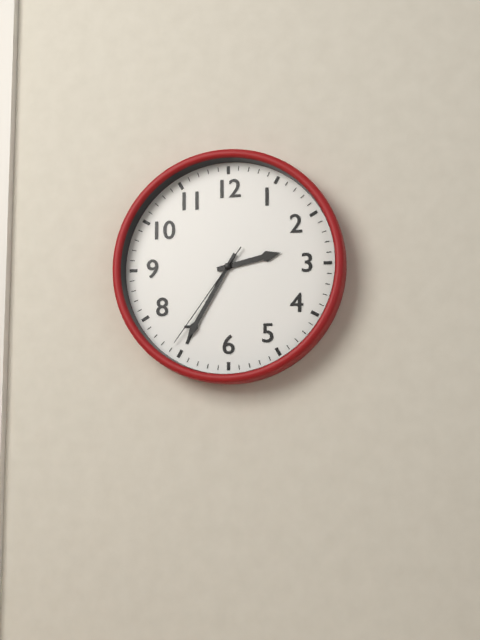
2:35:36
